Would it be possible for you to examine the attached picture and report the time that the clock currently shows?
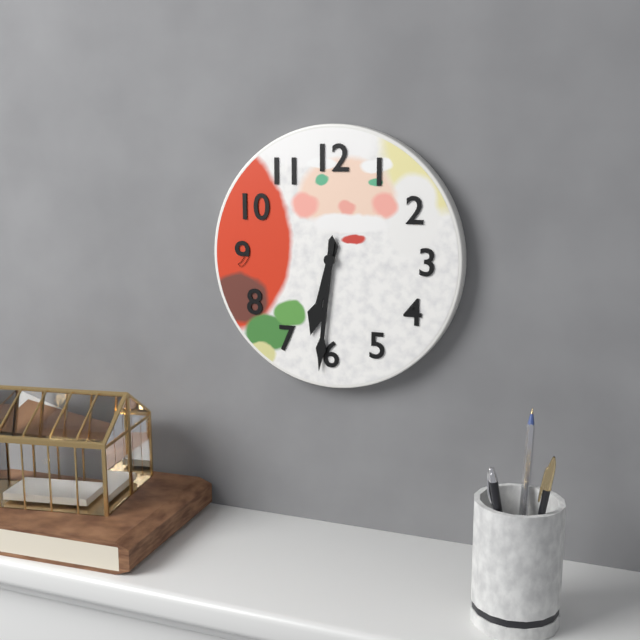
6:31
